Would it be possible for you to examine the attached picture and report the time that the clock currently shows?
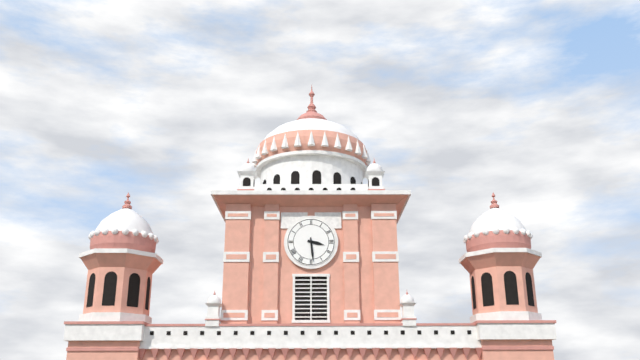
3:29
